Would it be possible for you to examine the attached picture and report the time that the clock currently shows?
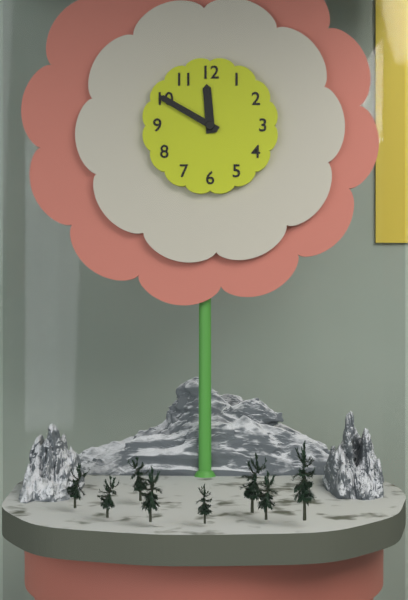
11:50
